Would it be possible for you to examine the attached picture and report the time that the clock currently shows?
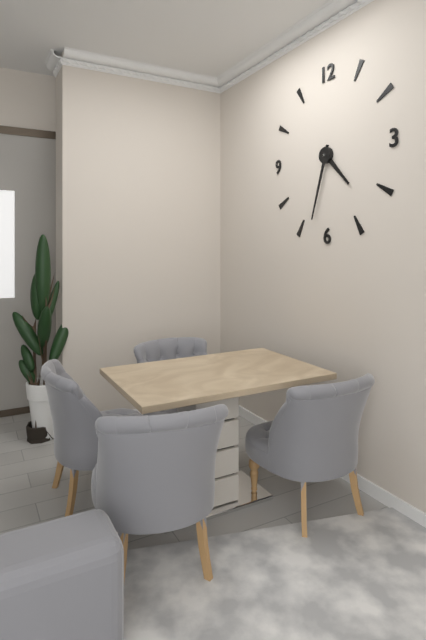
4:33
